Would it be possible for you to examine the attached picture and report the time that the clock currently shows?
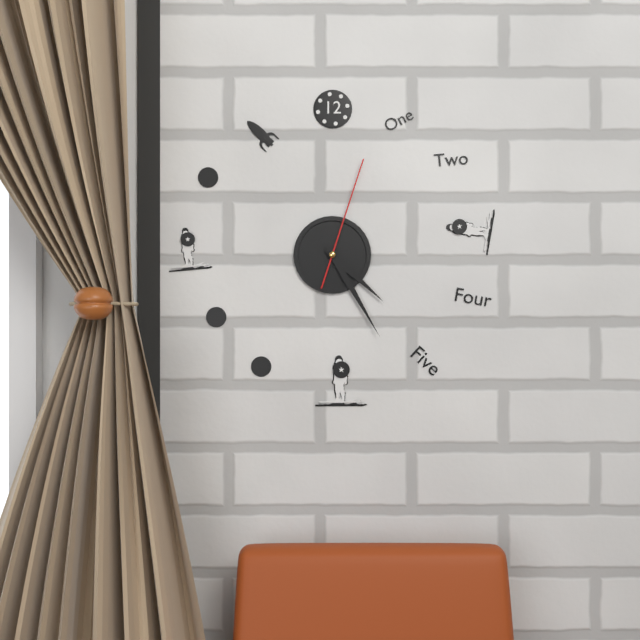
4:25:03
